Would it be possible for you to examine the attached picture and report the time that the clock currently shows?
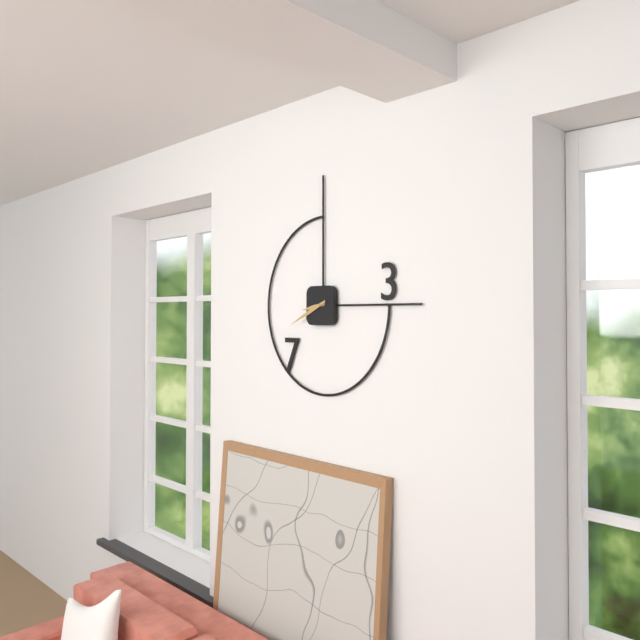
8:41
